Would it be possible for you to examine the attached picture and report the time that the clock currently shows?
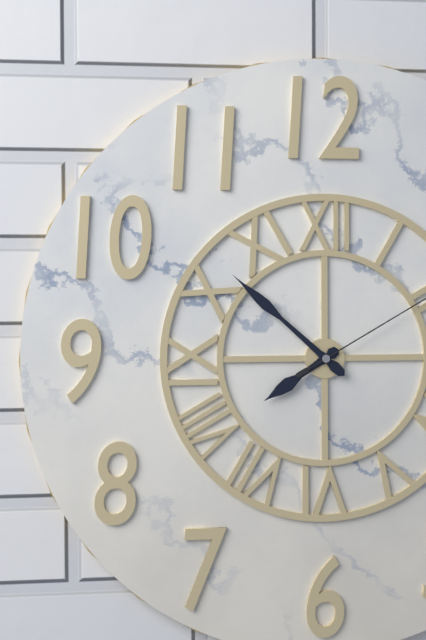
7:52
